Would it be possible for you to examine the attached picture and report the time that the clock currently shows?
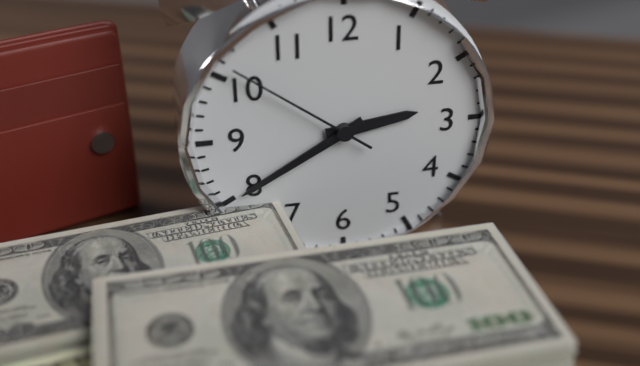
2:40:51
